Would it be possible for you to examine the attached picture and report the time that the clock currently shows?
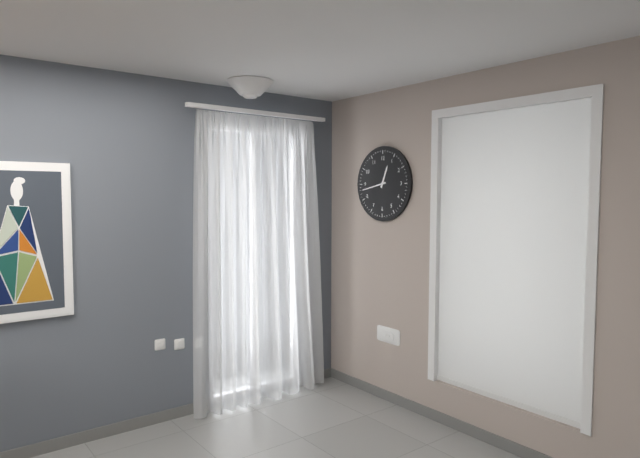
12:43
